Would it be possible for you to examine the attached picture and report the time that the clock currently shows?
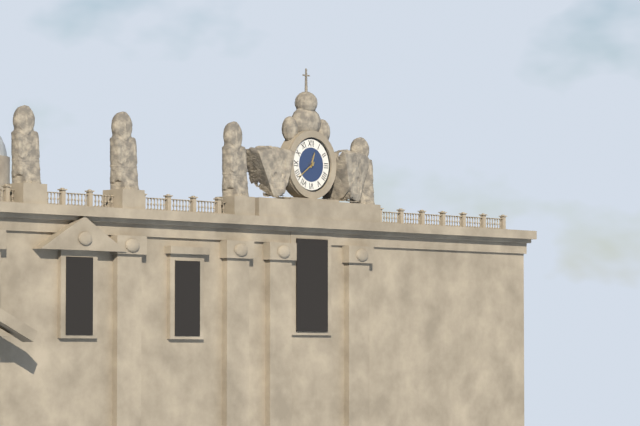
12:39
